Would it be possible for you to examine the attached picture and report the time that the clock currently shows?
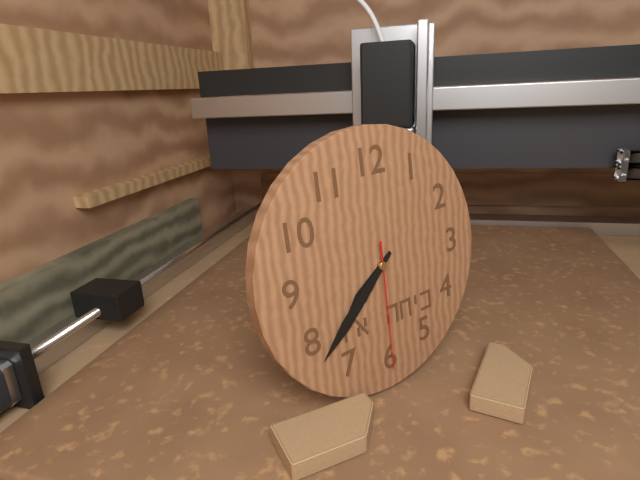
7:38:30
